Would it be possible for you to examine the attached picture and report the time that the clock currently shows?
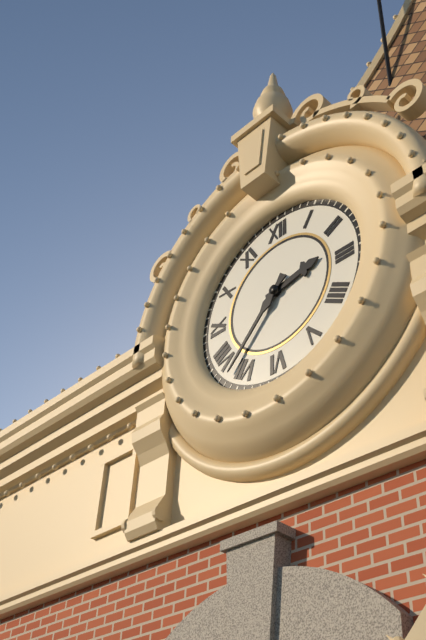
2:37
